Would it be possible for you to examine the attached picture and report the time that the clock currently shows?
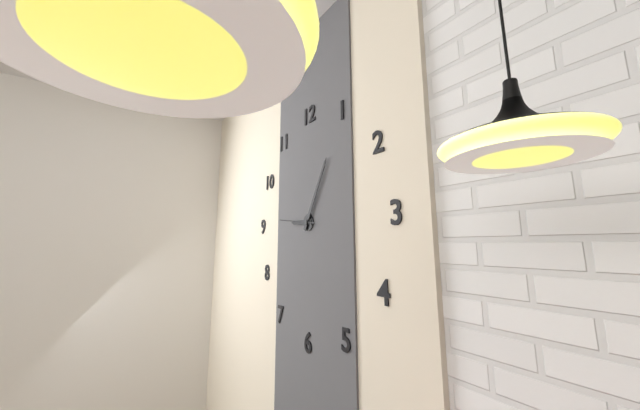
9:05
